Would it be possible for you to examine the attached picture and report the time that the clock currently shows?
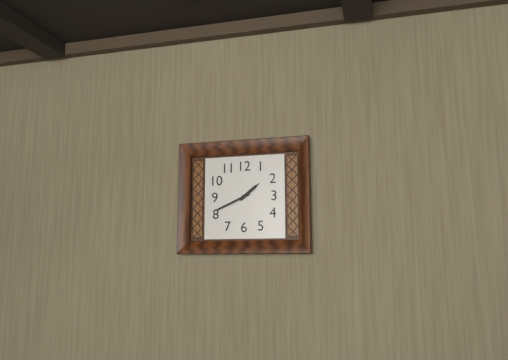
1:41
